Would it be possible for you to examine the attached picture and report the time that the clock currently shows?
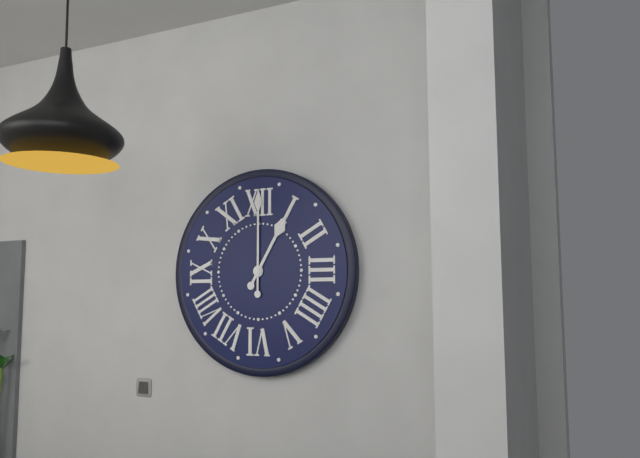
1:00
